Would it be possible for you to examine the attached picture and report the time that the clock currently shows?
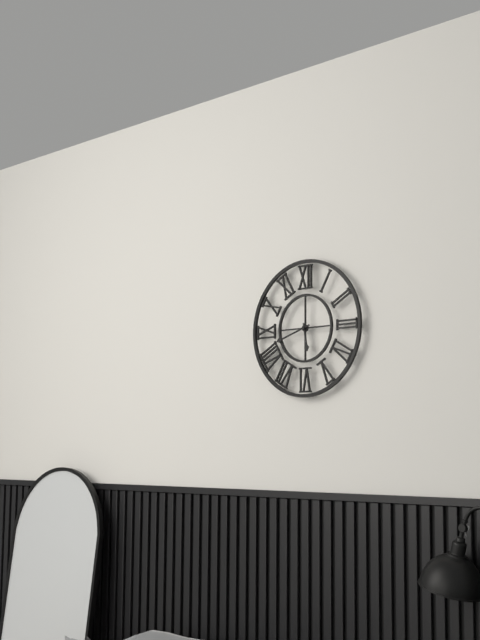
5:42
